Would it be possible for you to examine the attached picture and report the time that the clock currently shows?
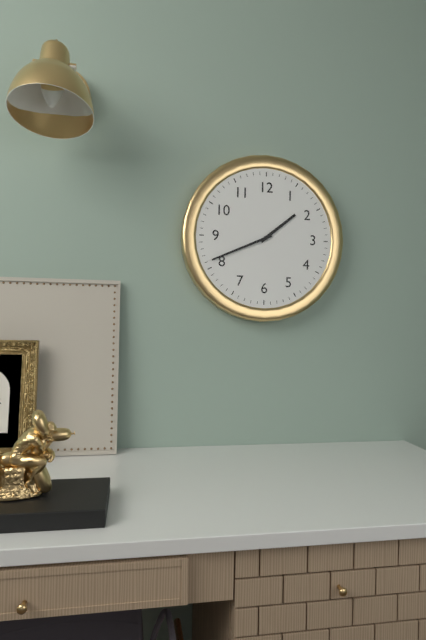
1:41
